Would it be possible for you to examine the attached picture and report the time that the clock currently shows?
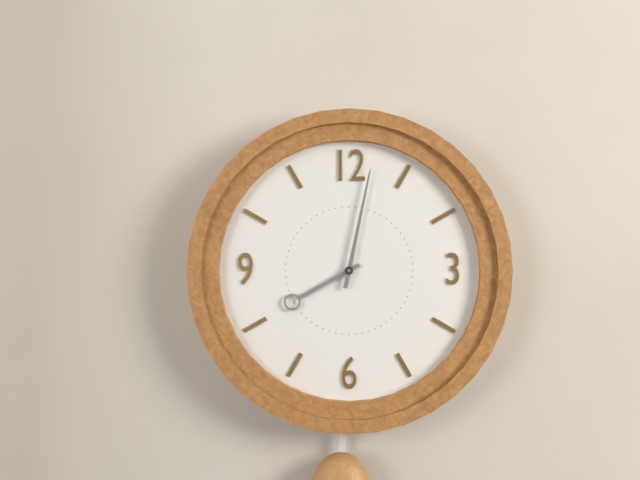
8:02
